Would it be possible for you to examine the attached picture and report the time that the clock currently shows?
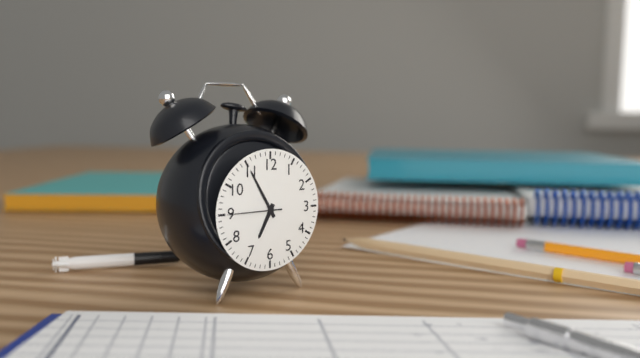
6:55:45
